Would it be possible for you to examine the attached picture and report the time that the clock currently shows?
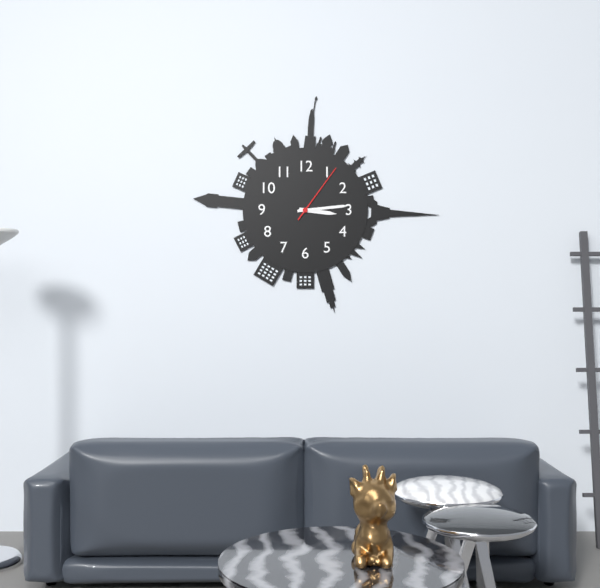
3:14:06
